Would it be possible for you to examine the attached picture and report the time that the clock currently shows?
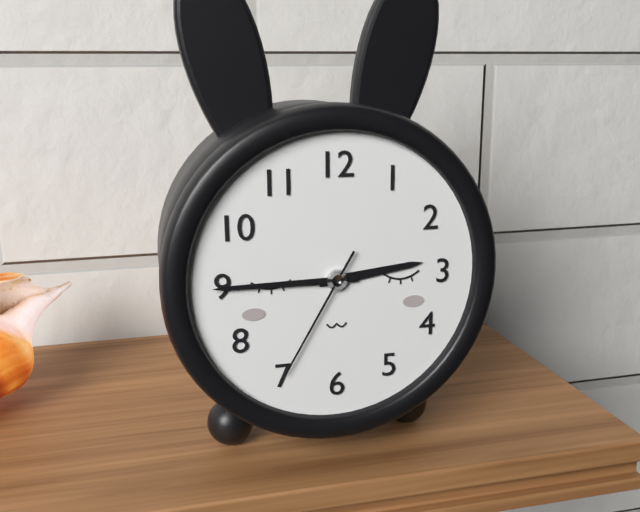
2:45:35
